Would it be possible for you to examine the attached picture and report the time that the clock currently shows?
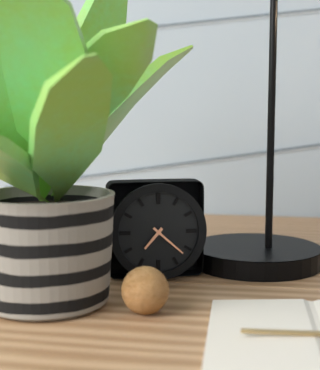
7:22
